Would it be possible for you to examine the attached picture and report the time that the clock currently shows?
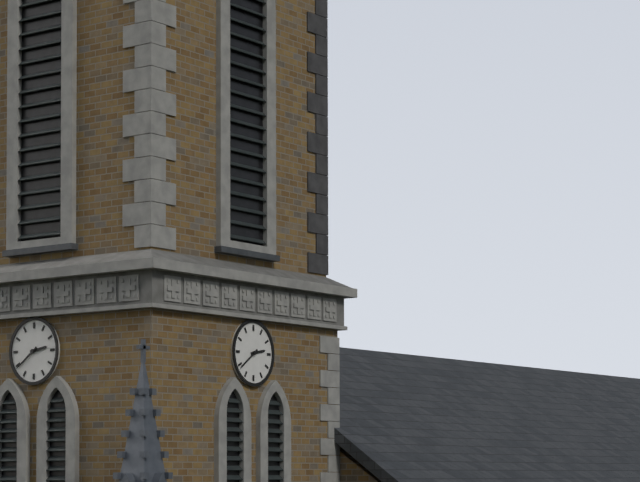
2:39
